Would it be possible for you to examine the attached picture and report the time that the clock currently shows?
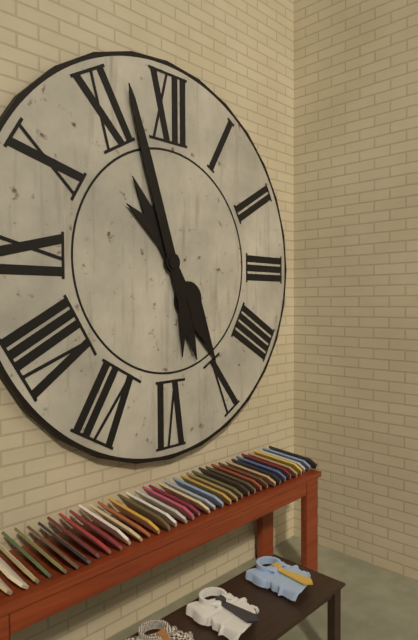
4:57
